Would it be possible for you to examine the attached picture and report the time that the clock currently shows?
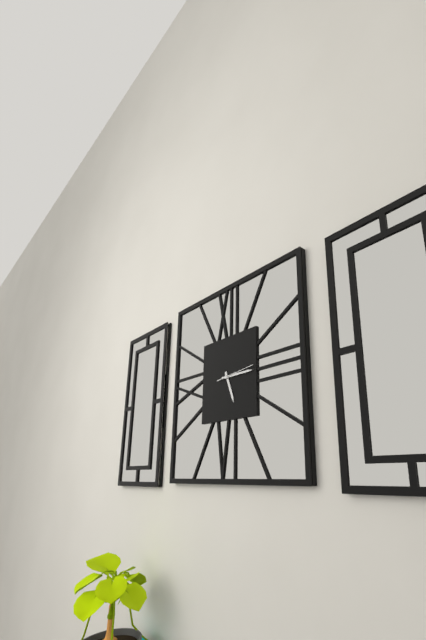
5:15
